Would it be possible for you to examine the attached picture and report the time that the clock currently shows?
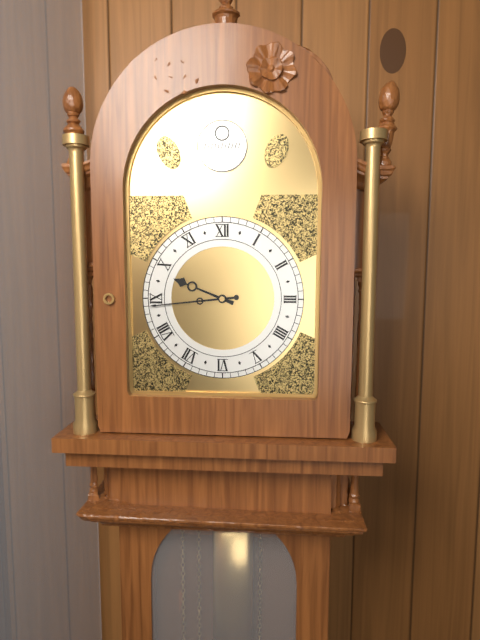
9:44
